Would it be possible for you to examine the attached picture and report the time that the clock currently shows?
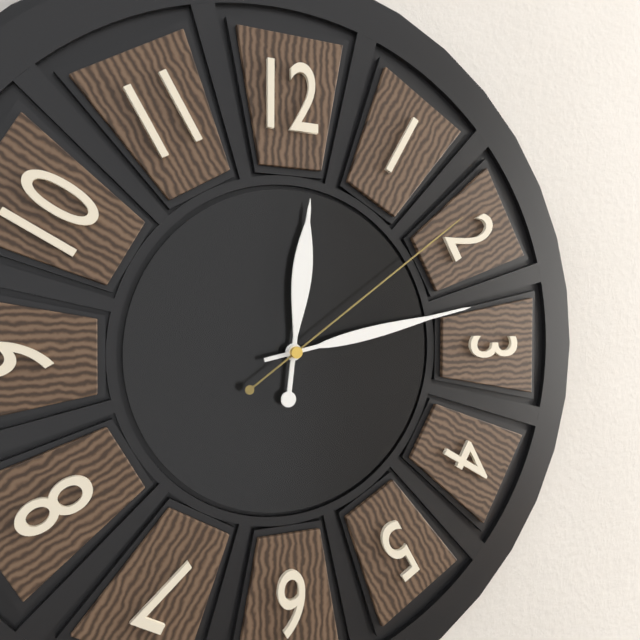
12:13:09
